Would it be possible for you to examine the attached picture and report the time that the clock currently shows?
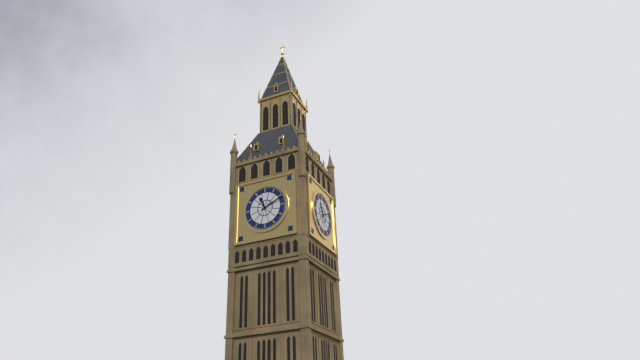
11:11
